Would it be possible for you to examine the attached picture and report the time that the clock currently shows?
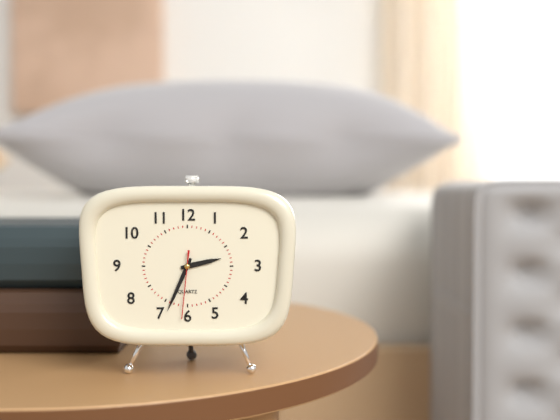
2:34:31
